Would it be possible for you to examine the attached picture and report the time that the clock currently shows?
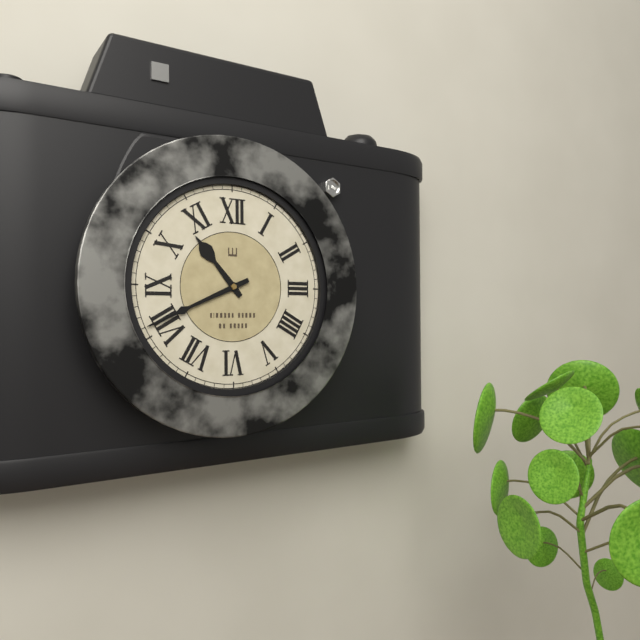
10:41
